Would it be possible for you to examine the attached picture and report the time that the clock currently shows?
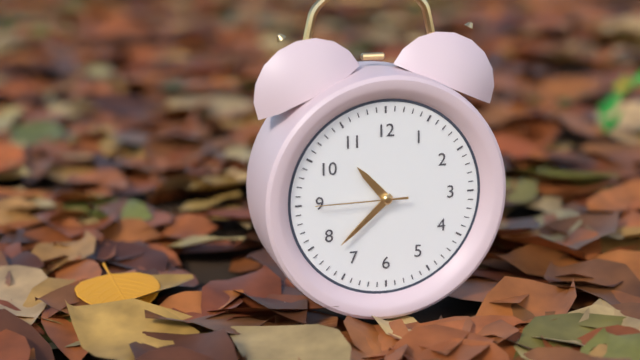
10:38:45
